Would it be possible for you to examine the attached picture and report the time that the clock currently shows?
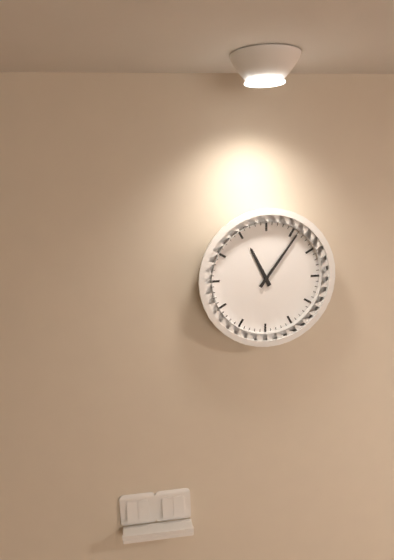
11:06
